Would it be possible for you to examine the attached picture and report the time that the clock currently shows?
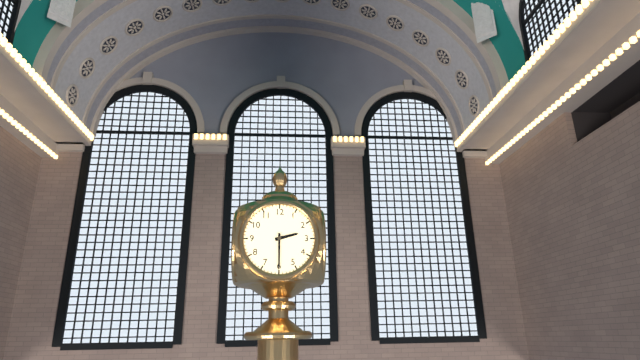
2:30
